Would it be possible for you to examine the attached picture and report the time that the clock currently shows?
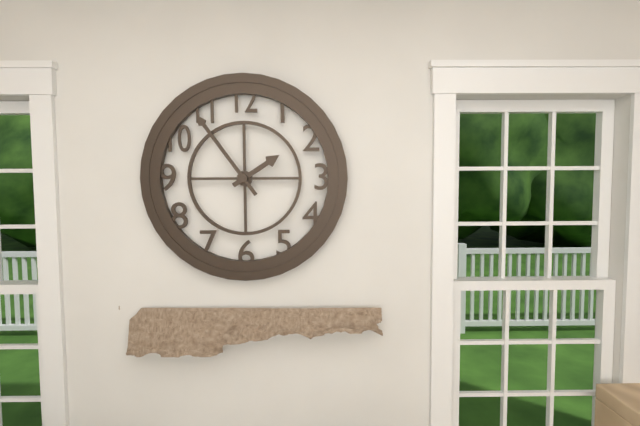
1:54
